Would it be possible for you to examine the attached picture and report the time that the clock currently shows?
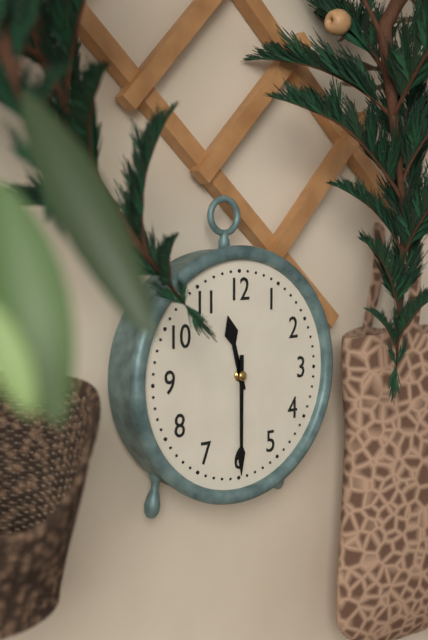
11:30
